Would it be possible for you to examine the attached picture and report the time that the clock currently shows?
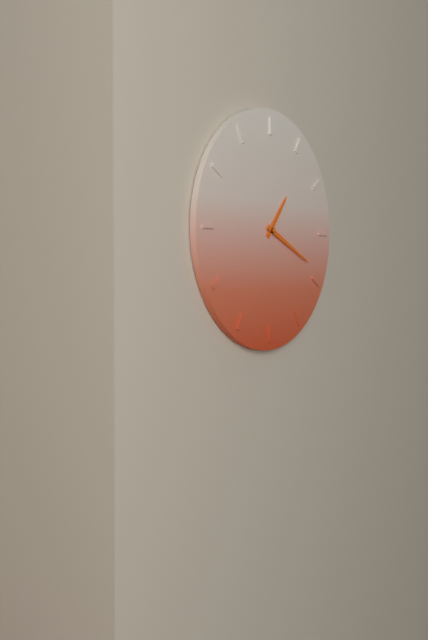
1:19
